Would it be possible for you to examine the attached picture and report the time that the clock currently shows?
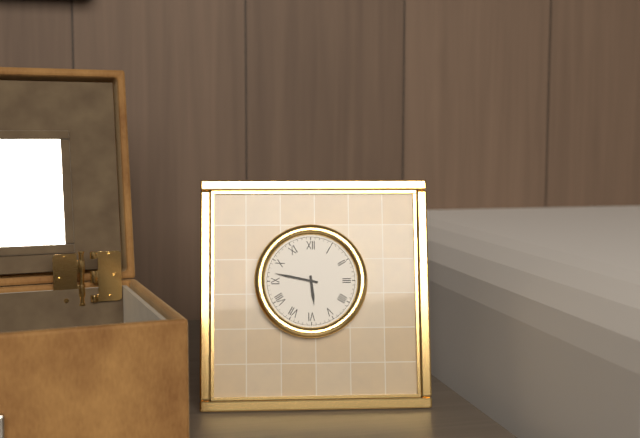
5:47
